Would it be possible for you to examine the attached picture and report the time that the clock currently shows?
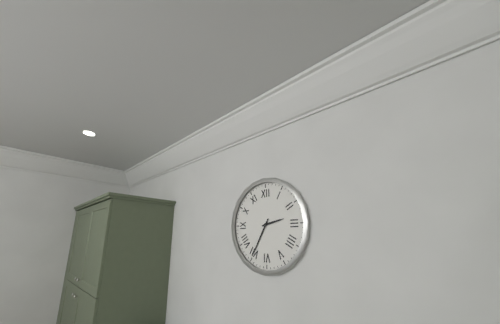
2:35
